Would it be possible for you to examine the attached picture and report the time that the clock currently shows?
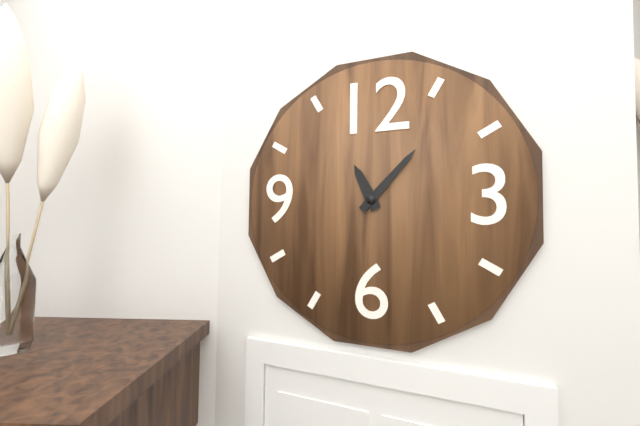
11:07
